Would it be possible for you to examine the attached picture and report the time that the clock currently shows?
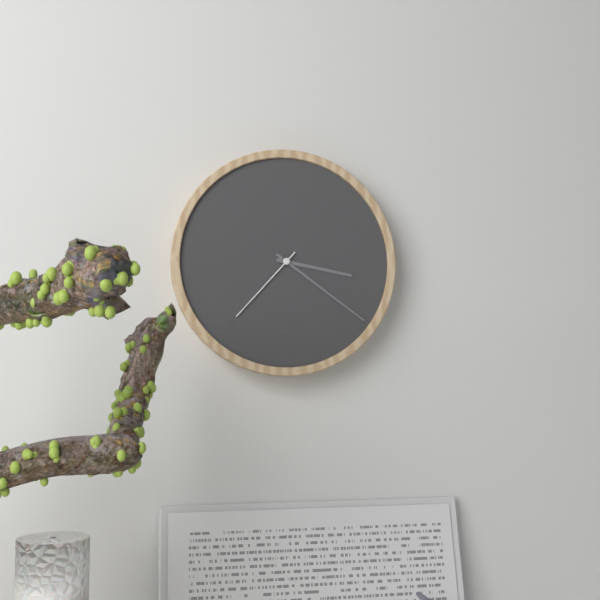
3:21:37
